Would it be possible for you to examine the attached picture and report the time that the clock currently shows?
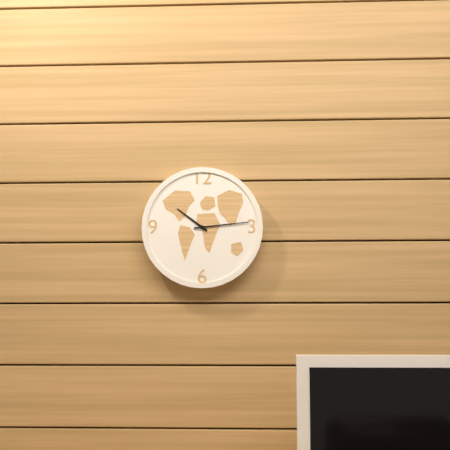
10:14
